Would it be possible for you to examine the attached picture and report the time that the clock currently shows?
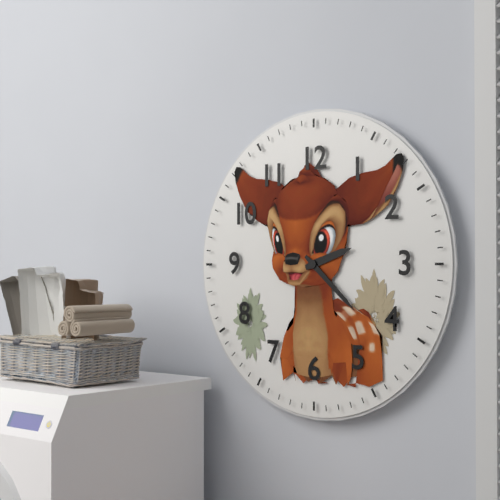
2:22
